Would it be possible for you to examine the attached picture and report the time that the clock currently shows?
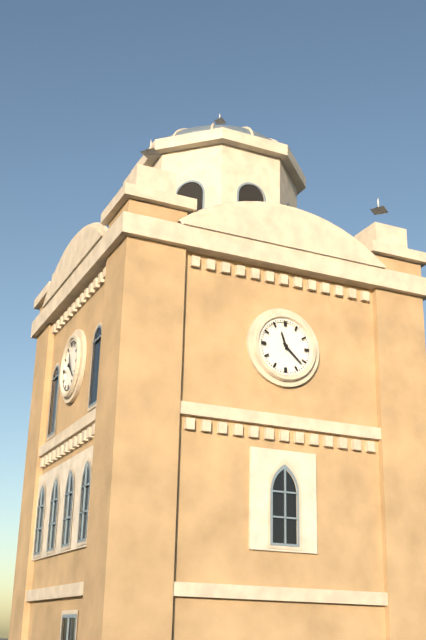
11:22
